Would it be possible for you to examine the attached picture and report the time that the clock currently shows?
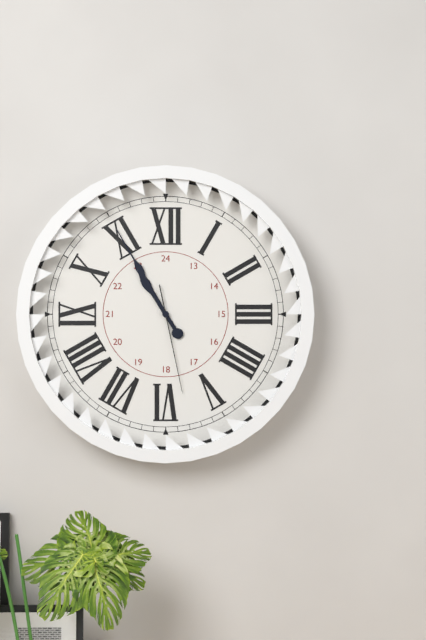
10:55:28
